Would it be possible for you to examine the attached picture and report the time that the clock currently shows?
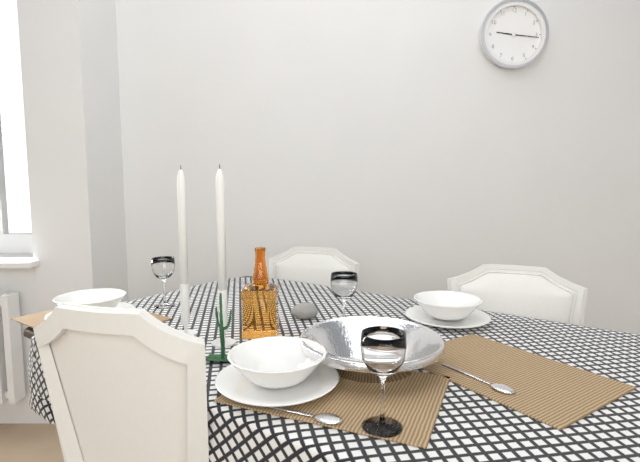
9:16
